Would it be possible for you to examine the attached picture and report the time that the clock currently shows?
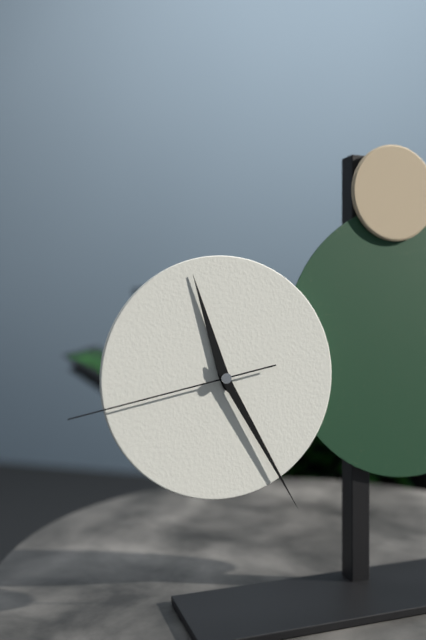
11:25:43
